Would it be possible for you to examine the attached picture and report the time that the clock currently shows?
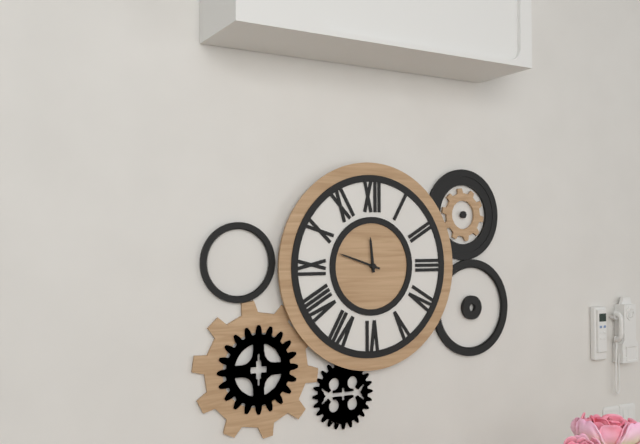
11:48
